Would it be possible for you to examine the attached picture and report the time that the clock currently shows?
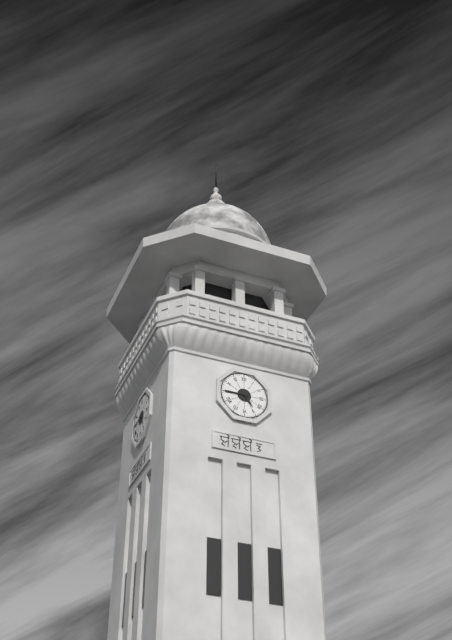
4:45
